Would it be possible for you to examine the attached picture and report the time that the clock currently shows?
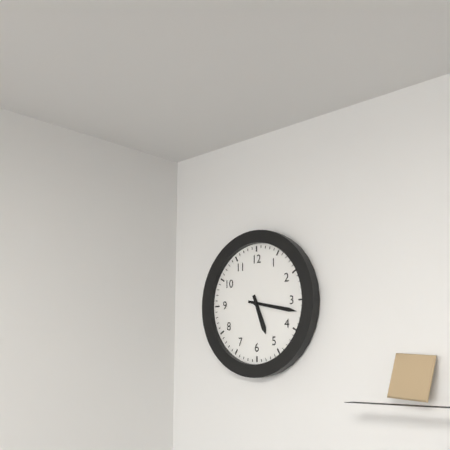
5:17
